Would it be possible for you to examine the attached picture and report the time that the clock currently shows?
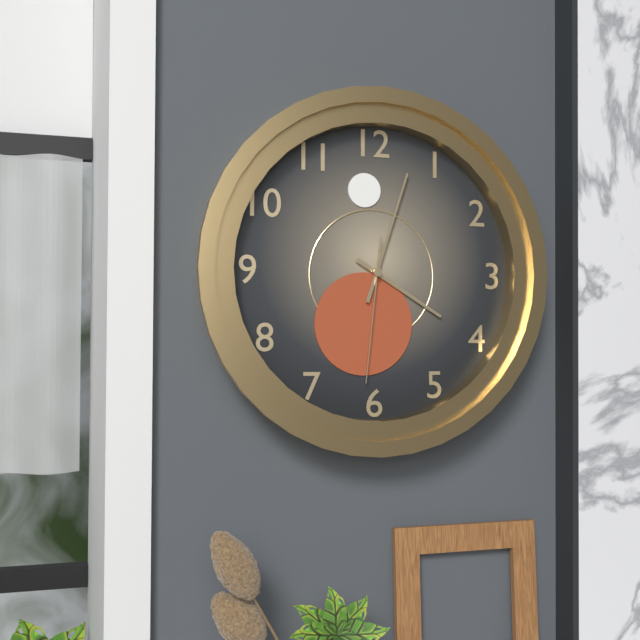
4:03:31
